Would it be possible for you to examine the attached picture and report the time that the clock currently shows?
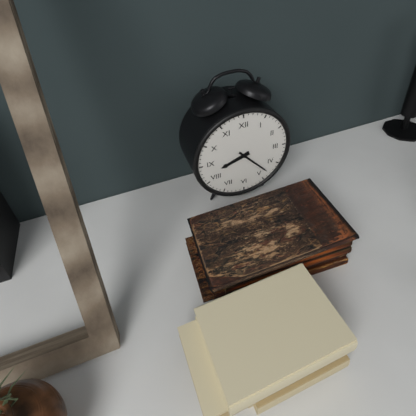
8:23
